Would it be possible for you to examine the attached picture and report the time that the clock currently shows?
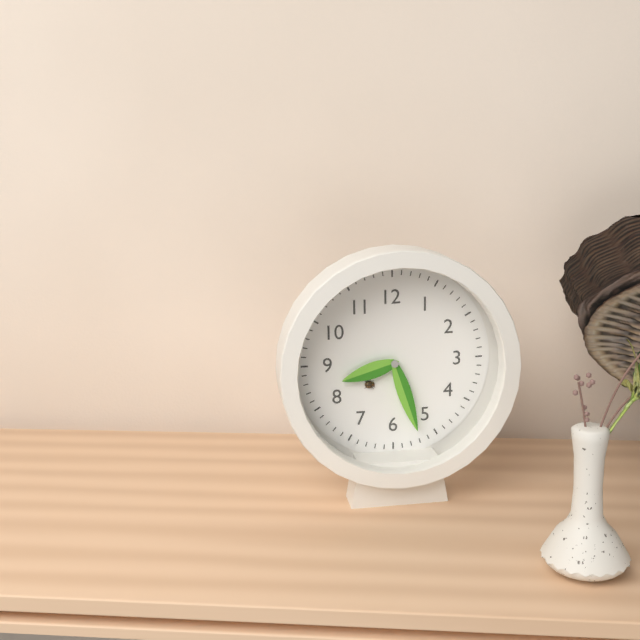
8:27
